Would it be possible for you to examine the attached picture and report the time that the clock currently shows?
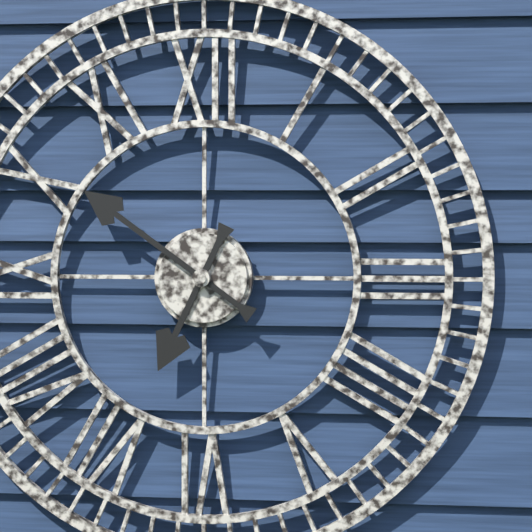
6:51
